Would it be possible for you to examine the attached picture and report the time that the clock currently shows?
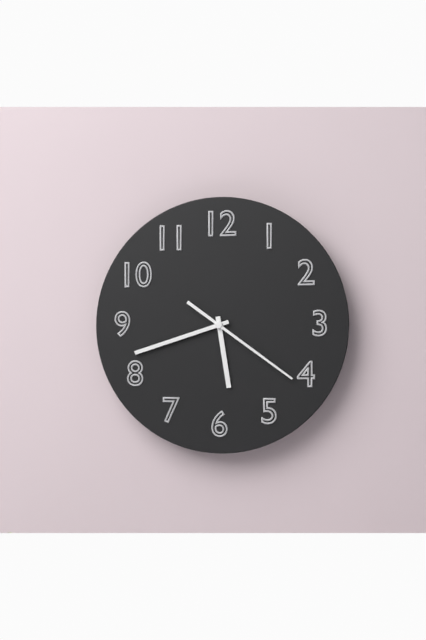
5:42:21
